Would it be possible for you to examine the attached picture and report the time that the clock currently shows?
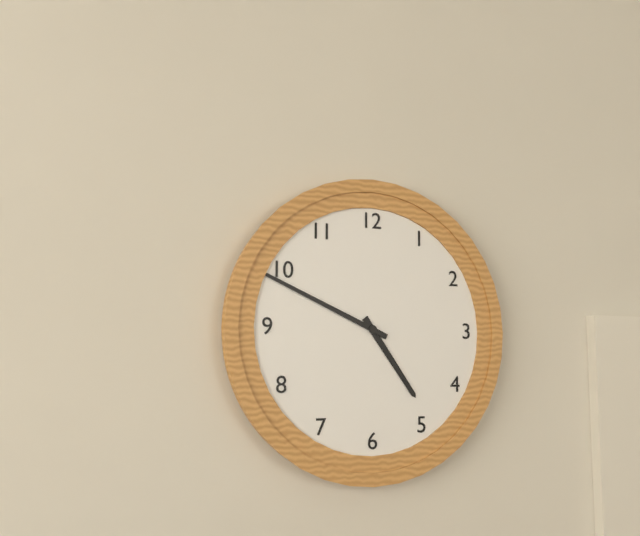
4:49
